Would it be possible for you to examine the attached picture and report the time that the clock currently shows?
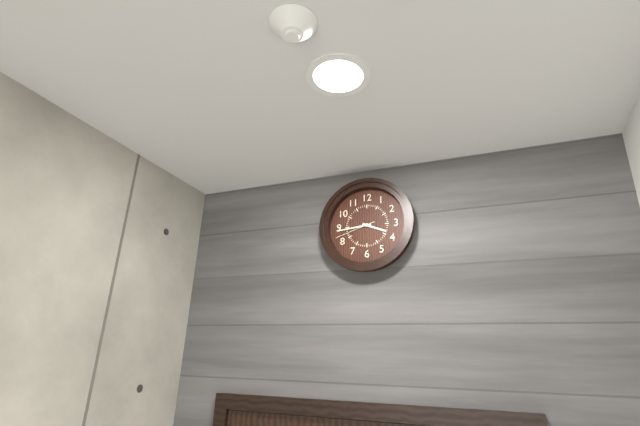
3:44
